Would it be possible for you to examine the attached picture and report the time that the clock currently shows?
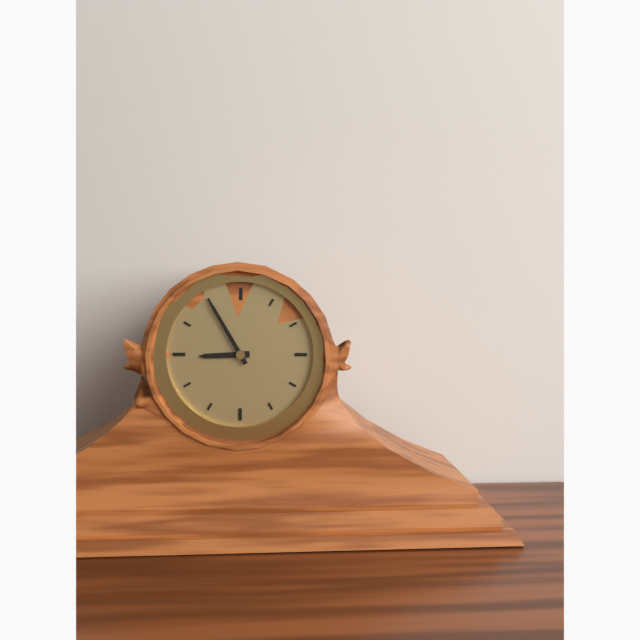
8:55
